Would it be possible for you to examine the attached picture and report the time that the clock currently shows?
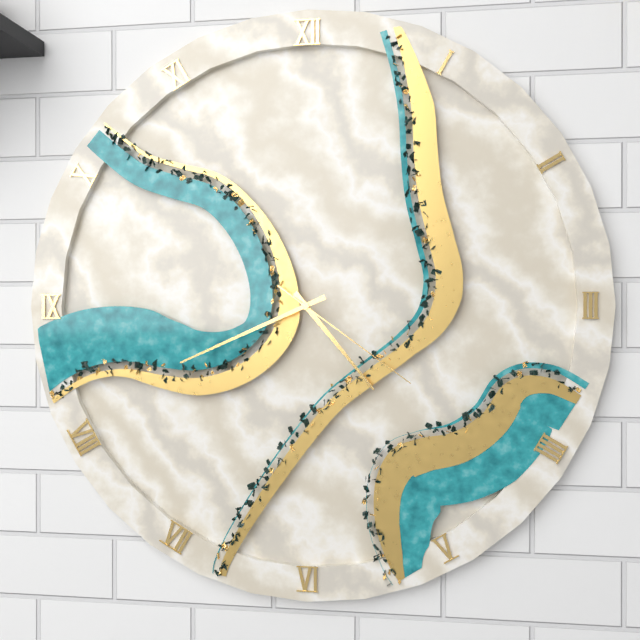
4:41:21
